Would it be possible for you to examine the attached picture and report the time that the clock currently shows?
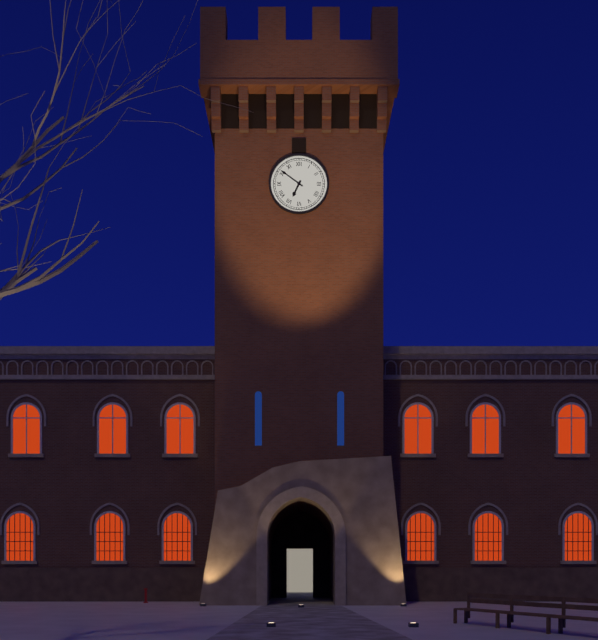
6:51
